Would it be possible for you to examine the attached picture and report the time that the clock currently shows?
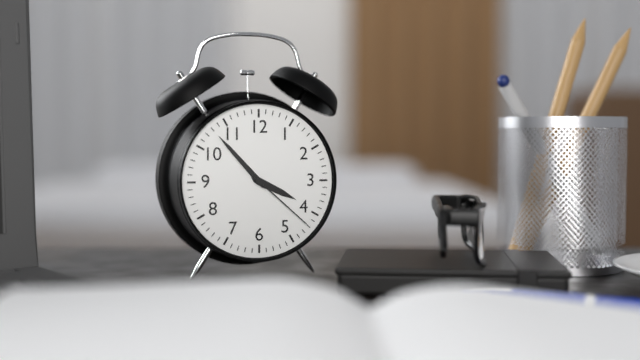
3:53:22
